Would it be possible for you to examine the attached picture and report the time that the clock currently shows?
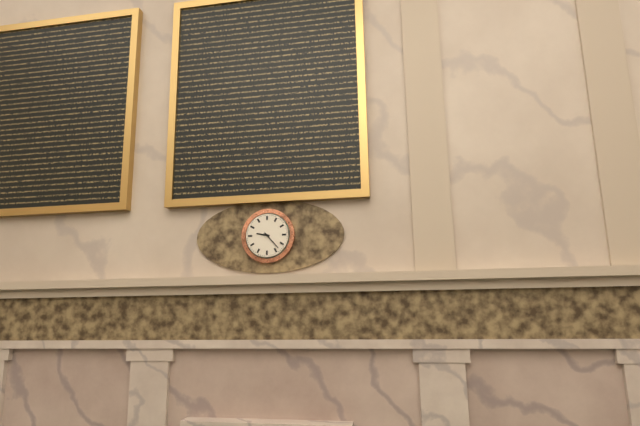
9:23
